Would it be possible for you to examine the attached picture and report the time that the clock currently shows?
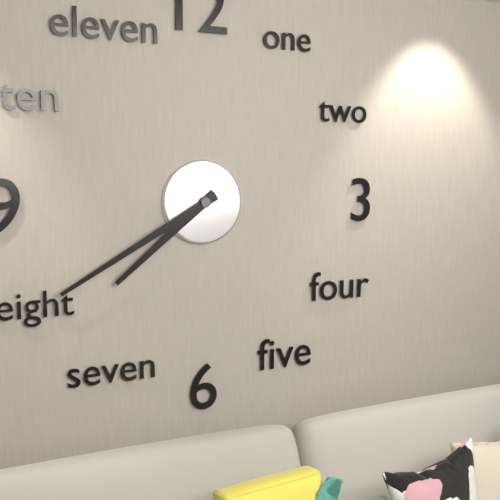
7:40
